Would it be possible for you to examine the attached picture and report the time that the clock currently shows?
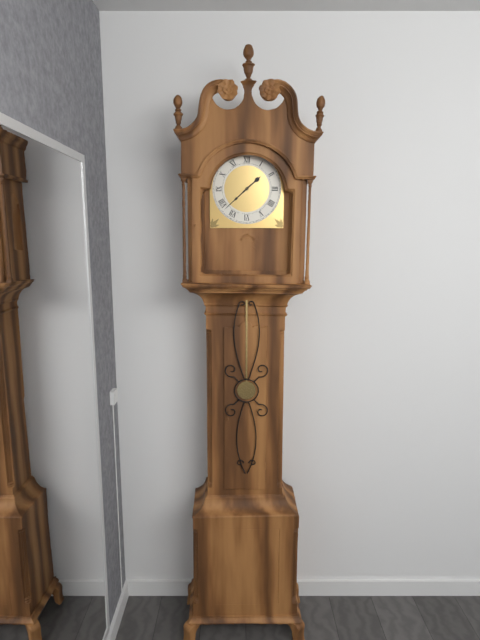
1:38
